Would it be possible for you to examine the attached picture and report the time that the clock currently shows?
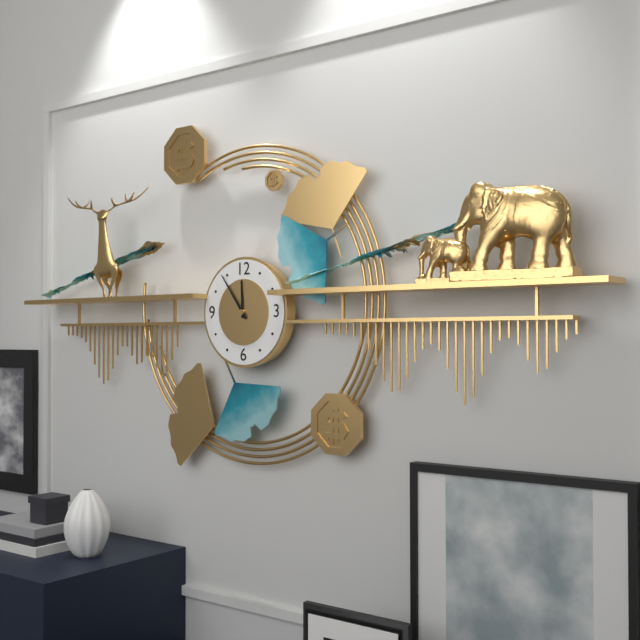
11:54
